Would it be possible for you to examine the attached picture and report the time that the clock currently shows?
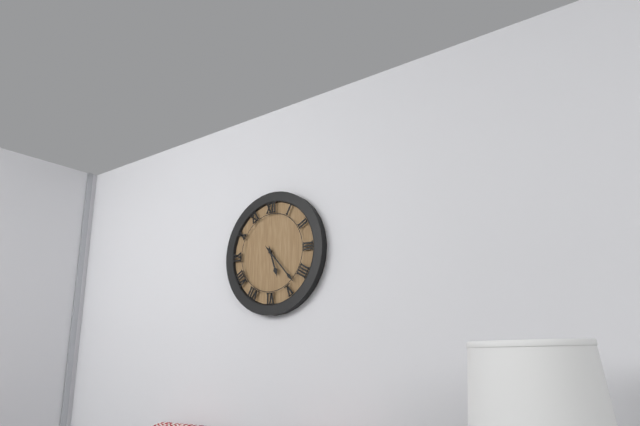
5:23
